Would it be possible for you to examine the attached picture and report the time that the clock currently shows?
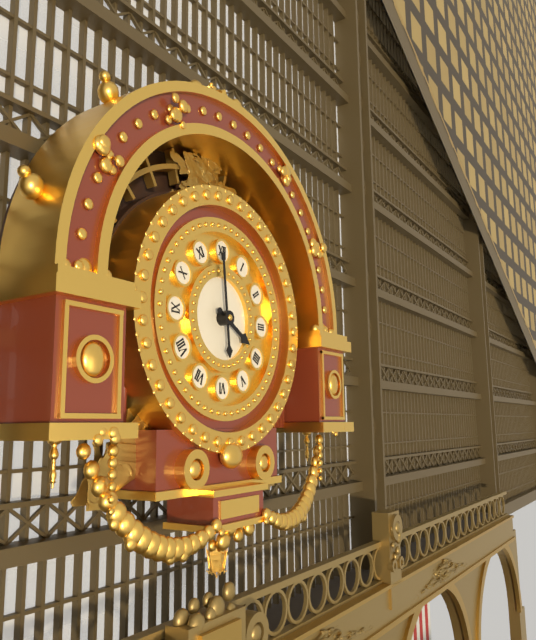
3:59
